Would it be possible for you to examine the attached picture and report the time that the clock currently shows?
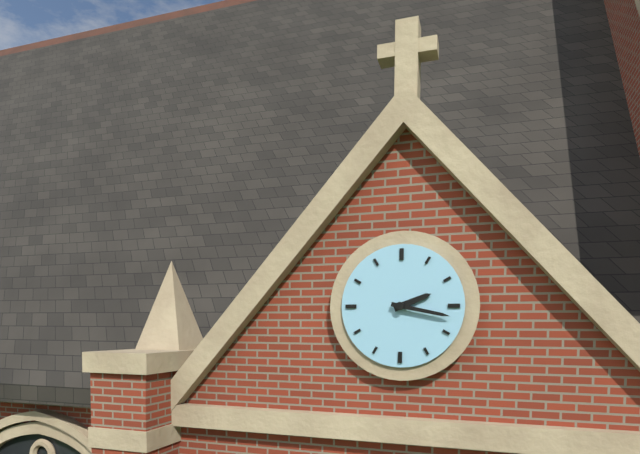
2:17
